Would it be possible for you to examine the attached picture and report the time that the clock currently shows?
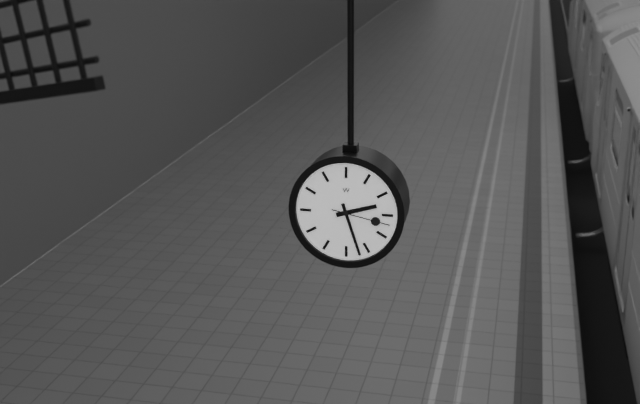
2:27:17
